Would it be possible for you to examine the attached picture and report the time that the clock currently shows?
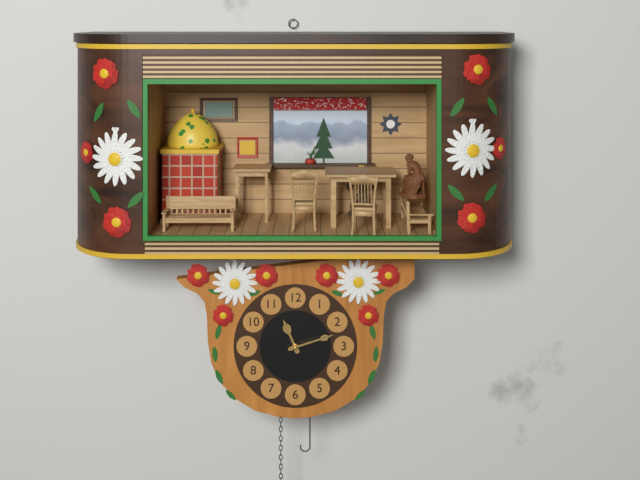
11:12
